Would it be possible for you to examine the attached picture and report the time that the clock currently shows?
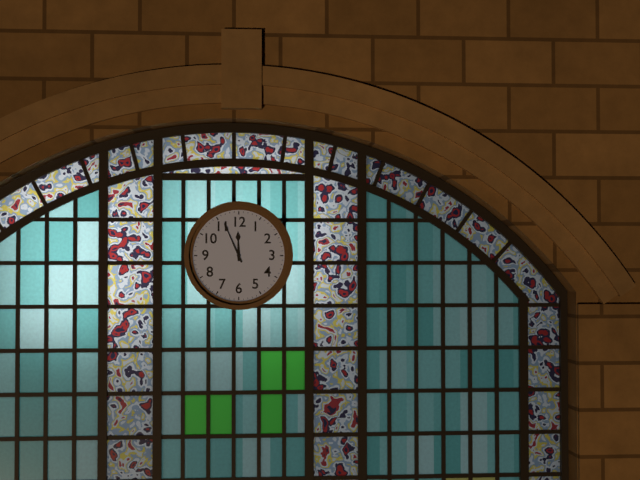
11:56
